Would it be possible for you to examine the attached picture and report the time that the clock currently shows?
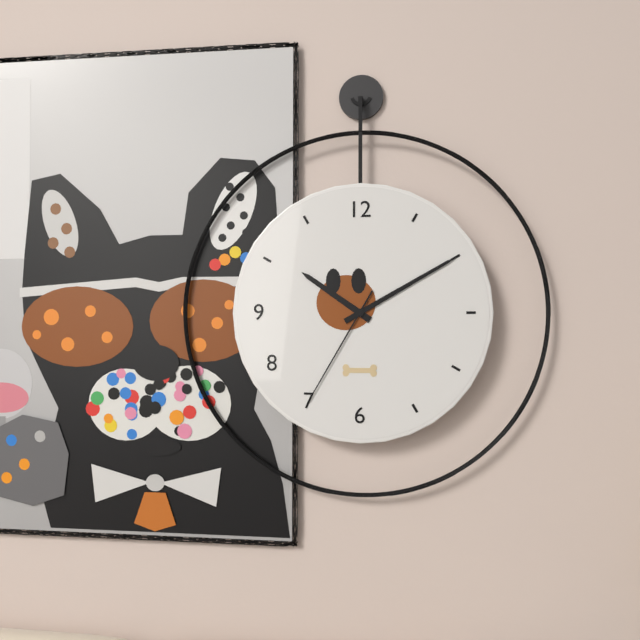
10:10:35
